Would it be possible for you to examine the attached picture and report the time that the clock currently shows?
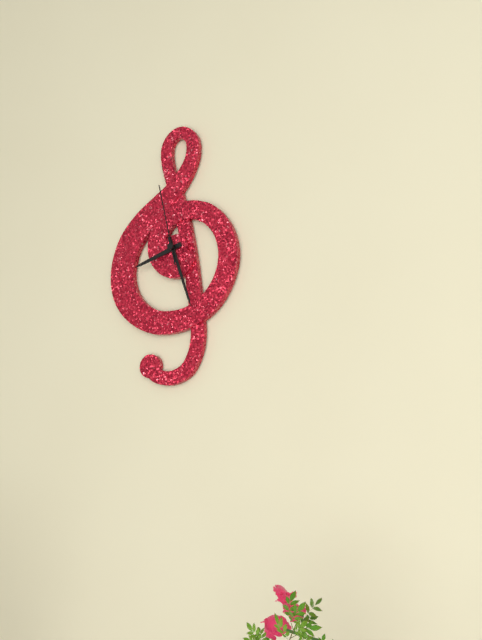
8:27:58
